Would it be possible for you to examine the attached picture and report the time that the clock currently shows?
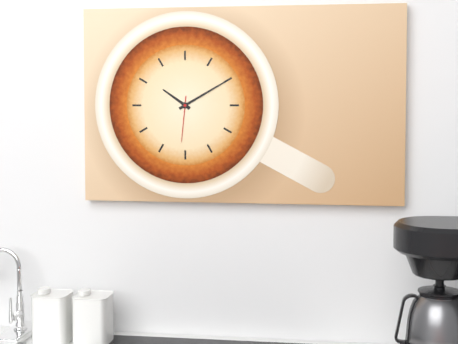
10:10
